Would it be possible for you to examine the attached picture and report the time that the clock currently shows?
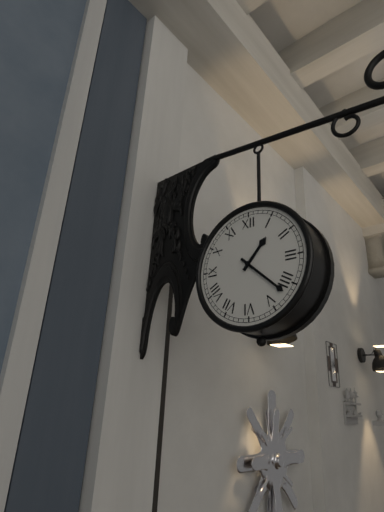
1:22
